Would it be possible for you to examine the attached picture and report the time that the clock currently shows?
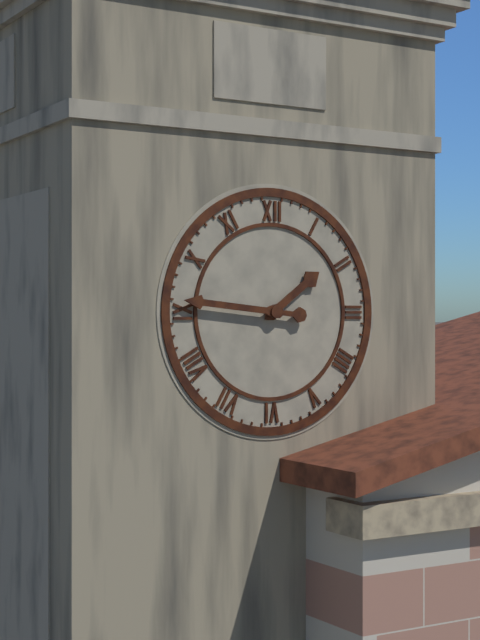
1:46
